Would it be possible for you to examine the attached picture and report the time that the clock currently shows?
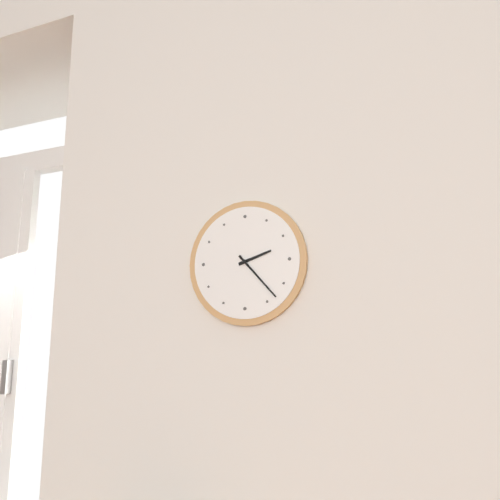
2:23
